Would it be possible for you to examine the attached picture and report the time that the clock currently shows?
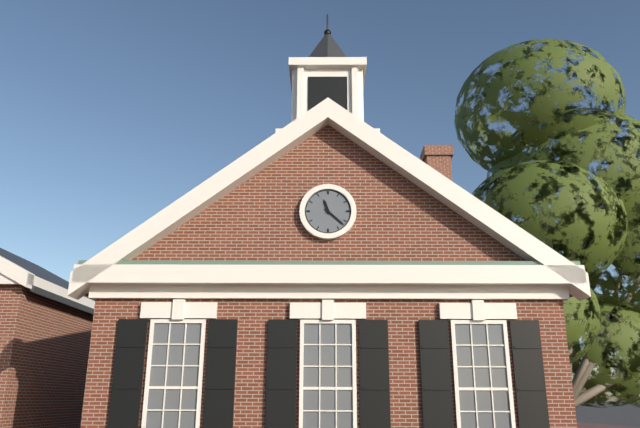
11:22
